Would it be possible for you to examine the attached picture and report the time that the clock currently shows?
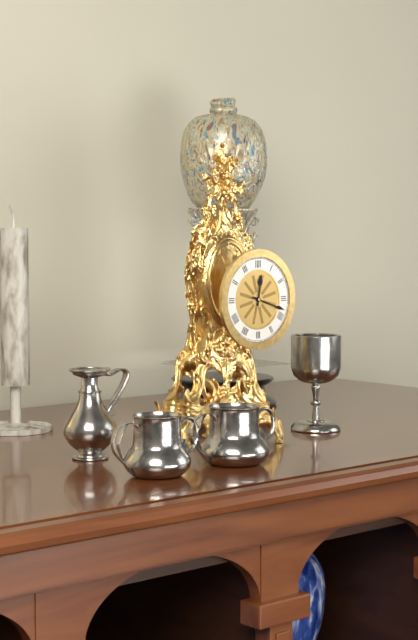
12:18
